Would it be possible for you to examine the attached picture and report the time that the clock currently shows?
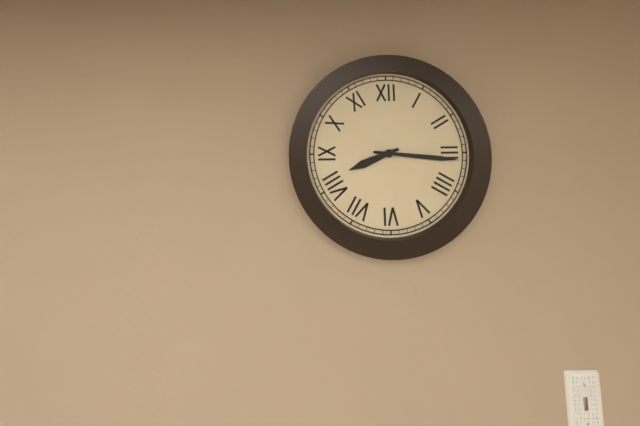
8:16
